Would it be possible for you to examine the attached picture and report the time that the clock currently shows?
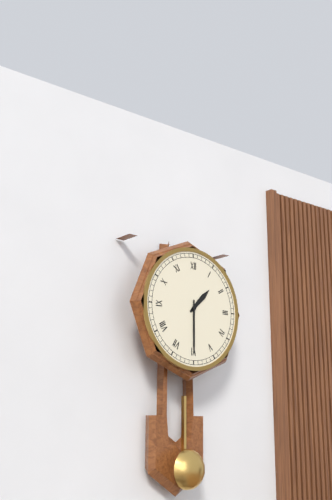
1:30
